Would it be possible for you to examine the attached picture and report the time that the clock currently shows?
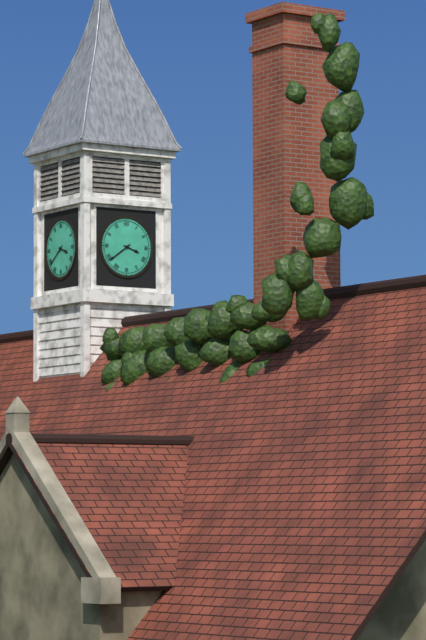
3:39
